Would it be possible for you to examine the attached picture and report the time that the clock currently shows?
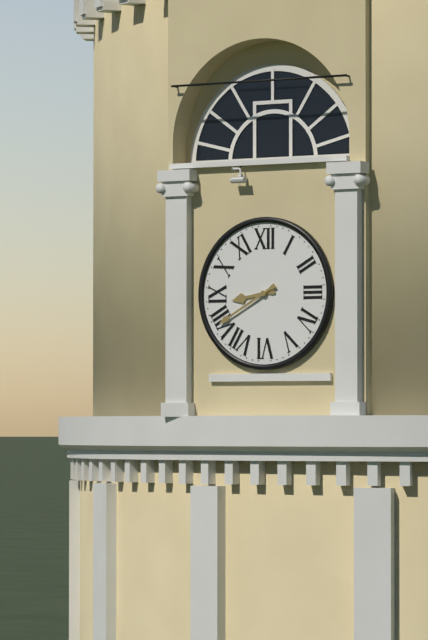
8:40
